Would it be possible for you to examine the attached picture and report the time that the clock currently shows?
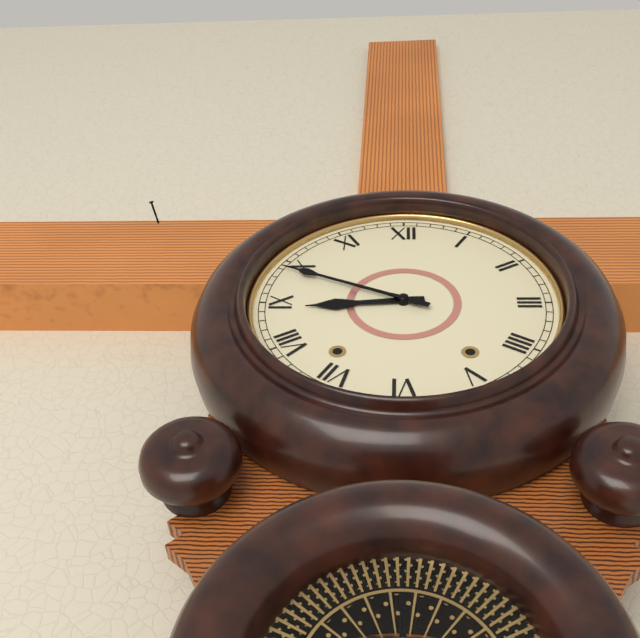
8:49
